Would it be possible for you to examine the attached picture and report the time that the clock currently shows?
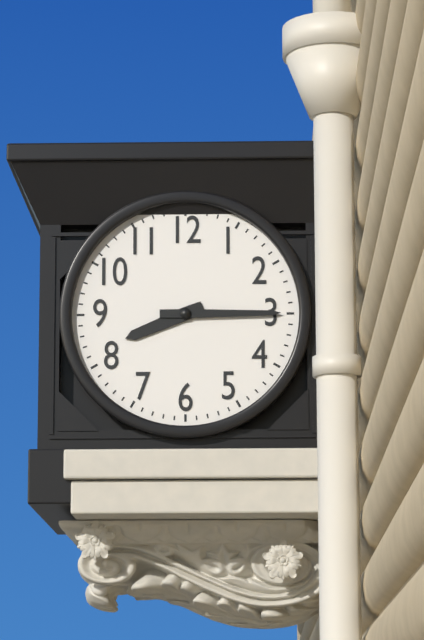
8:15
